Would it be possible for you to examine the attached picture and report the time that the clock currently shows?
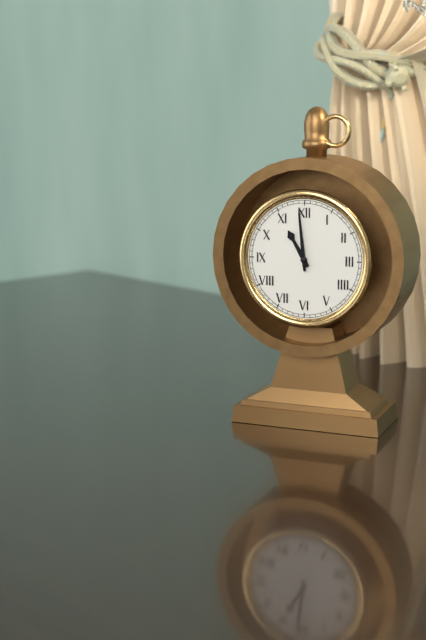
10:59
